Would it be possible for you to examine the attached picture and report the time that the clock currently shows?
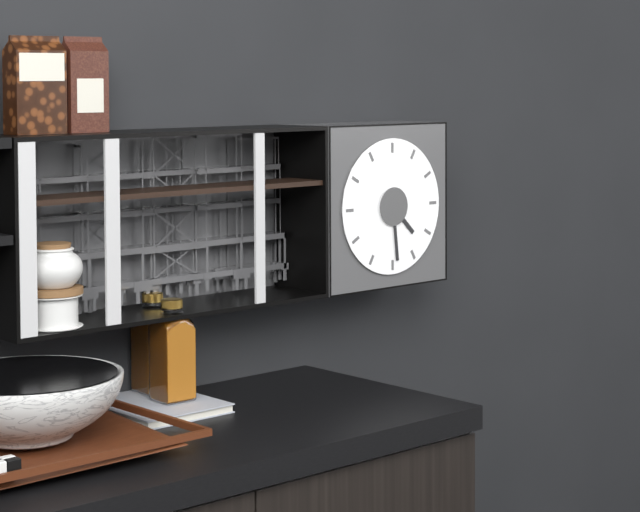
4:29
